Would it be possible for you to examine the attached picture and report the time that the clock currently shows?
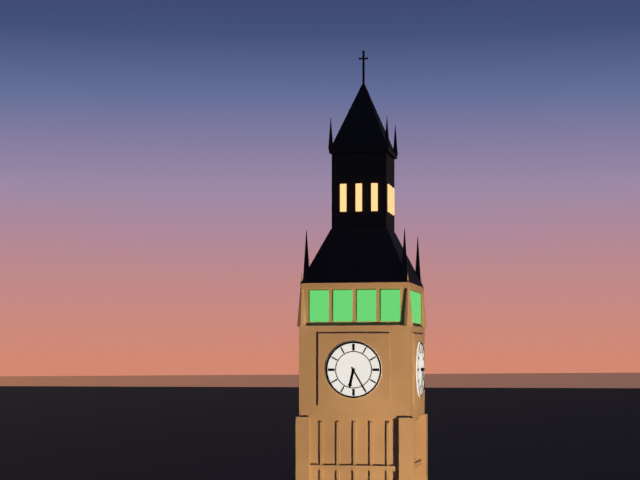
6:25
